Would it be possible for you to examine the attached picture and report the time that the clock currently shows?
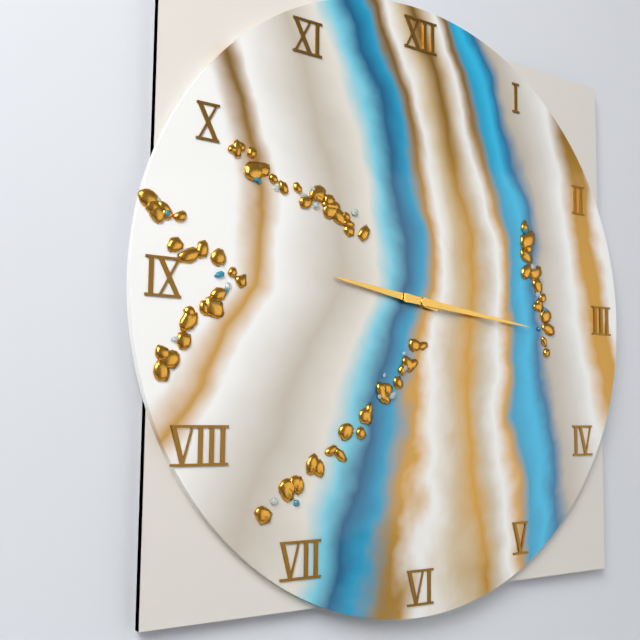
9:16
